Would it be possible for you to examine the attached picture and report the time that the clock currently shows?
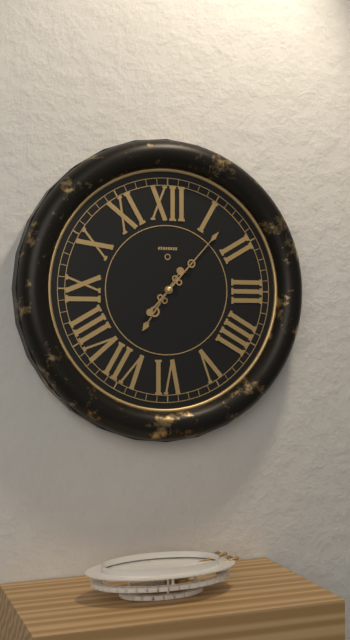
7:07
